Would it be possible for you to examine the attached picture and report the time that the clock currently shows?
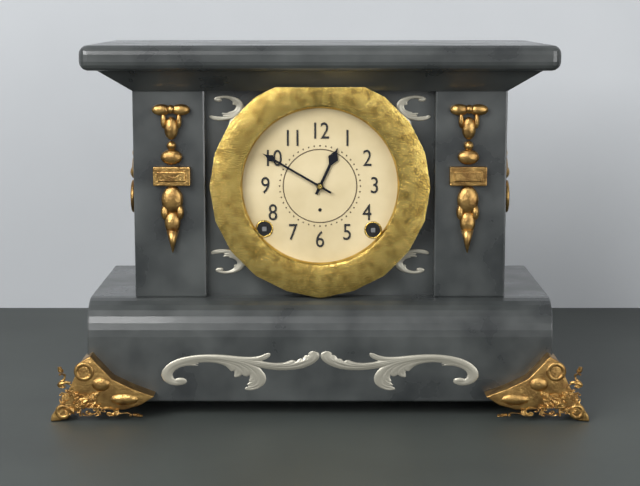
12:50
